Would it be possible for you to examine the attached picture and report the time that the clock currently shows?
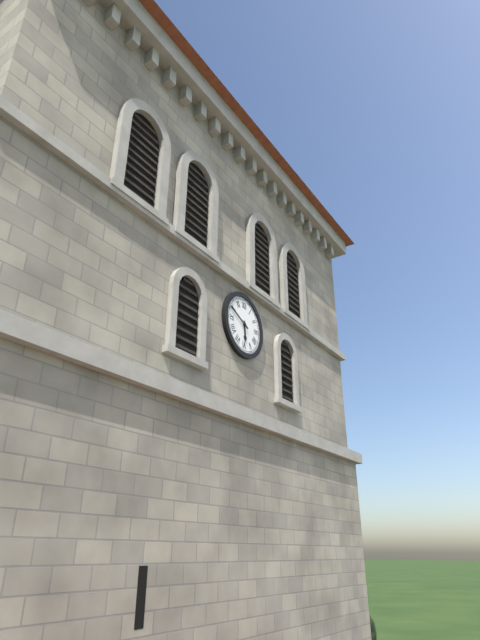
5:49
